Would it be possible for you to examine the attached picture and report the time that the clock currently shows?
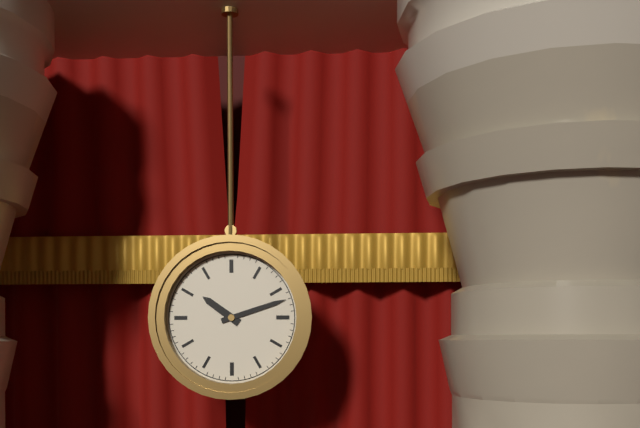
10:12
